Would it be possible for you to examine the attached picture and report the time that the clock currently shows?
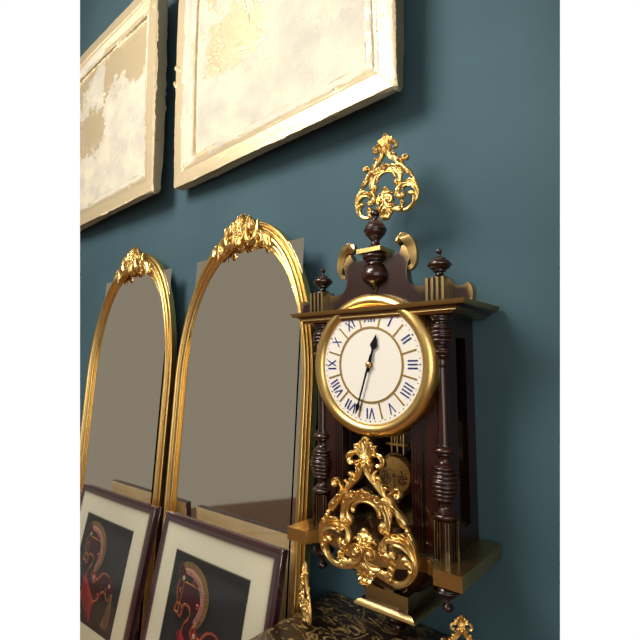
12:33
